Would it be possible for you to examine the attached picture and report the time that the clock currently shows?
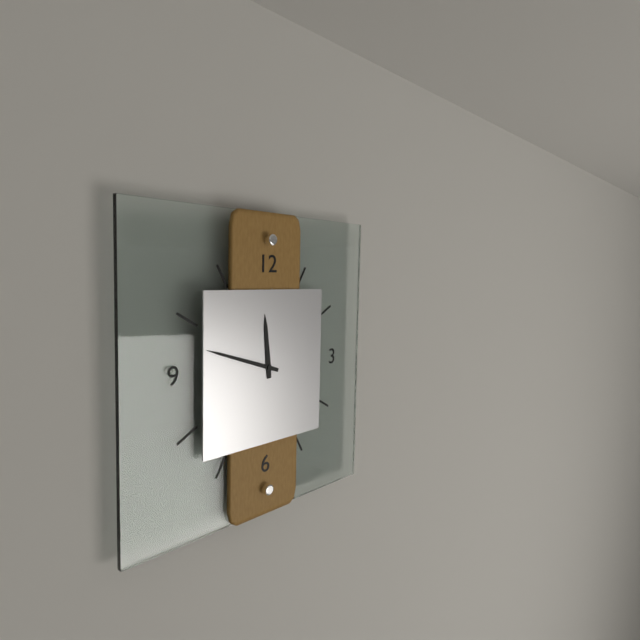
11:48
